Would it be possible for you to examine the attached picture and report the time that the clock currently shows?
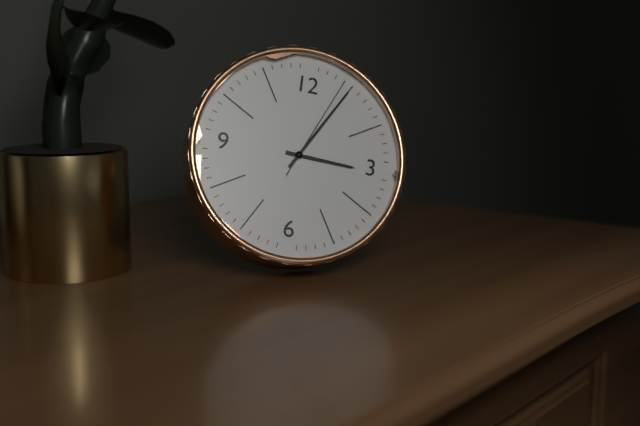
3:05:04
